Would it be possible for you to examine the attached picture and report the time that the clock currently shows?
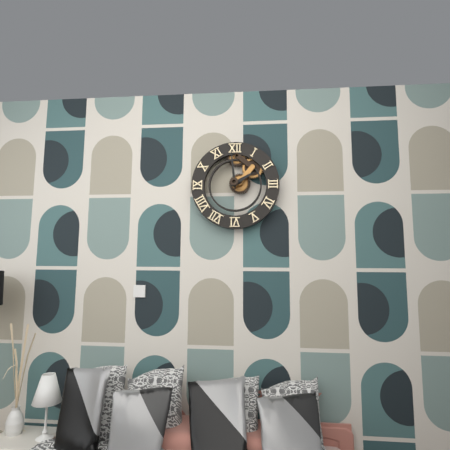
1:59
